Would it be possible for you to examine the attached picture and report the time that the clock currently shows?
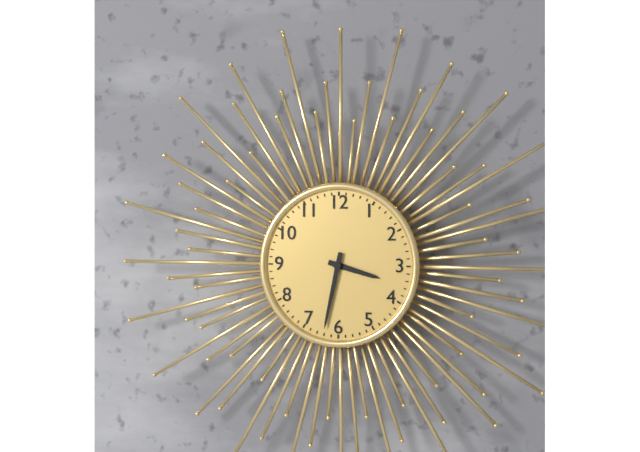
3:32
